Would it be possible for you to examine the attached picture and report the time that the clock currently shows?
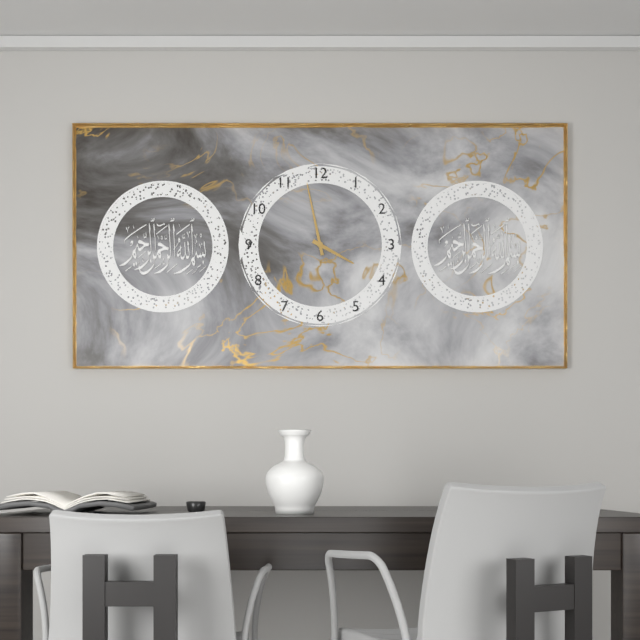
3:58
